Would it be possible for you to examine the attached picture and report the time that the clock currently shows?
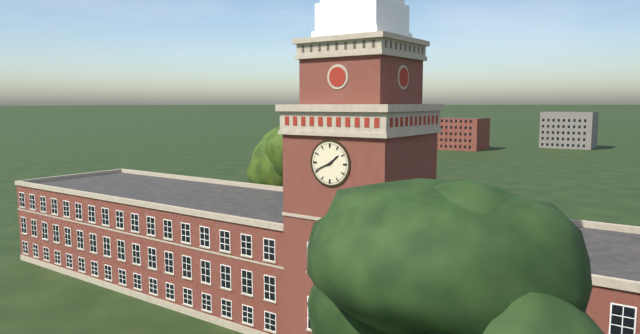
1:41
